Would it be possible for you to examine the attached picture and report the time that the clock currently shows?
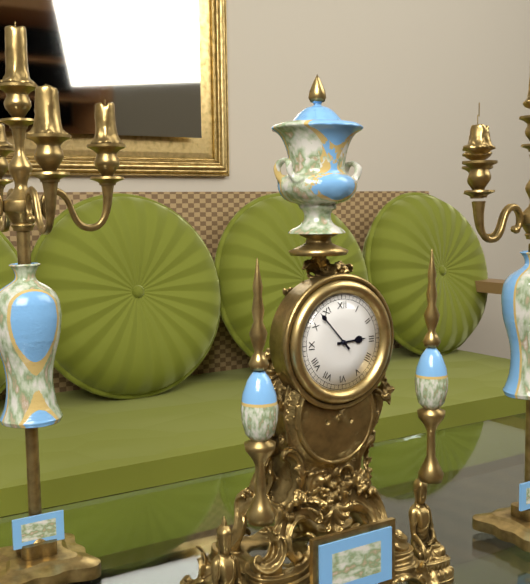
2:53
